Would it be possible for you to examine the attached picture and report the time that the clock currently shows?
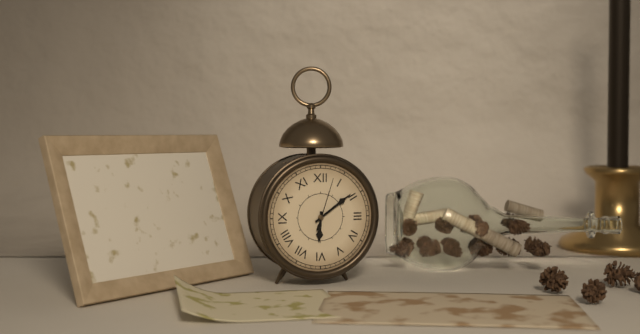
6:09:03
